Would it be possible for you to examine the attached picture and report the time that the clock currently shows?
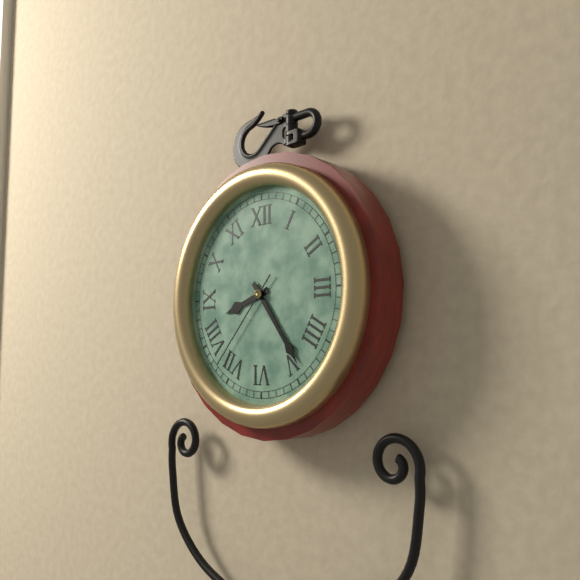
8:24:37
